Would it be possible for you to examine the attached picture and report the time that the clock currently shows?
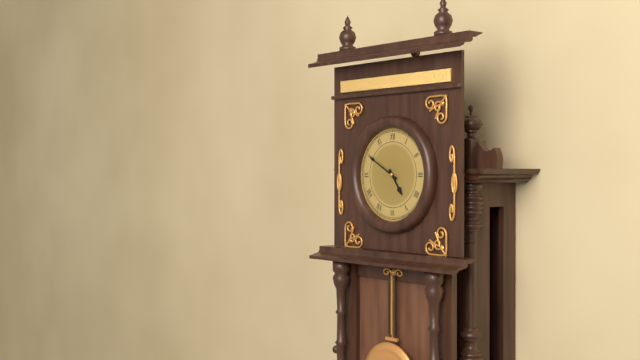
4:50
